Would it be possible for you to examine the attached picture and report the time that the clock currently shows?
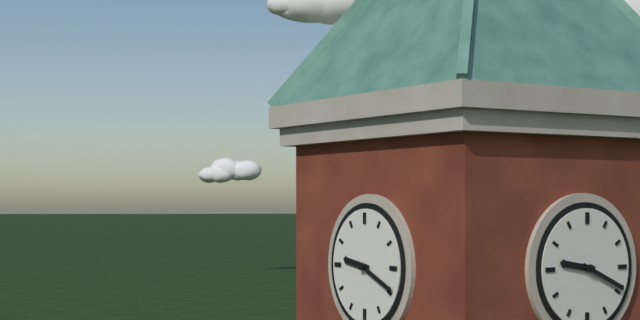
9:19
